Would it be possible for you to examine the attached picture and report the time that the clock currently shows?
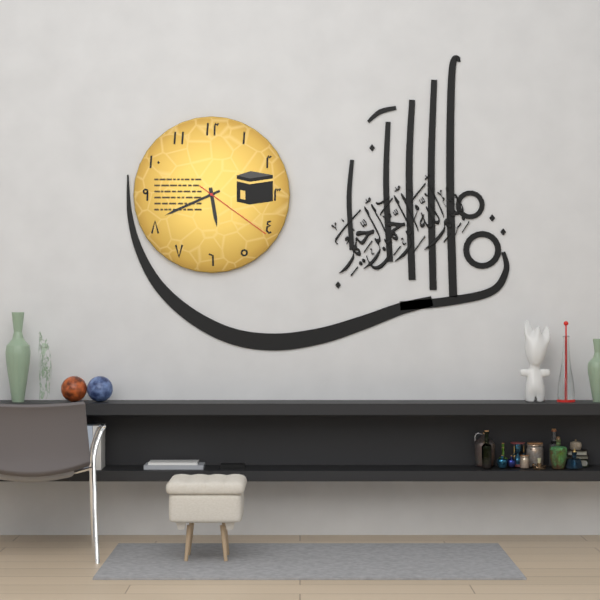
5:41:21
